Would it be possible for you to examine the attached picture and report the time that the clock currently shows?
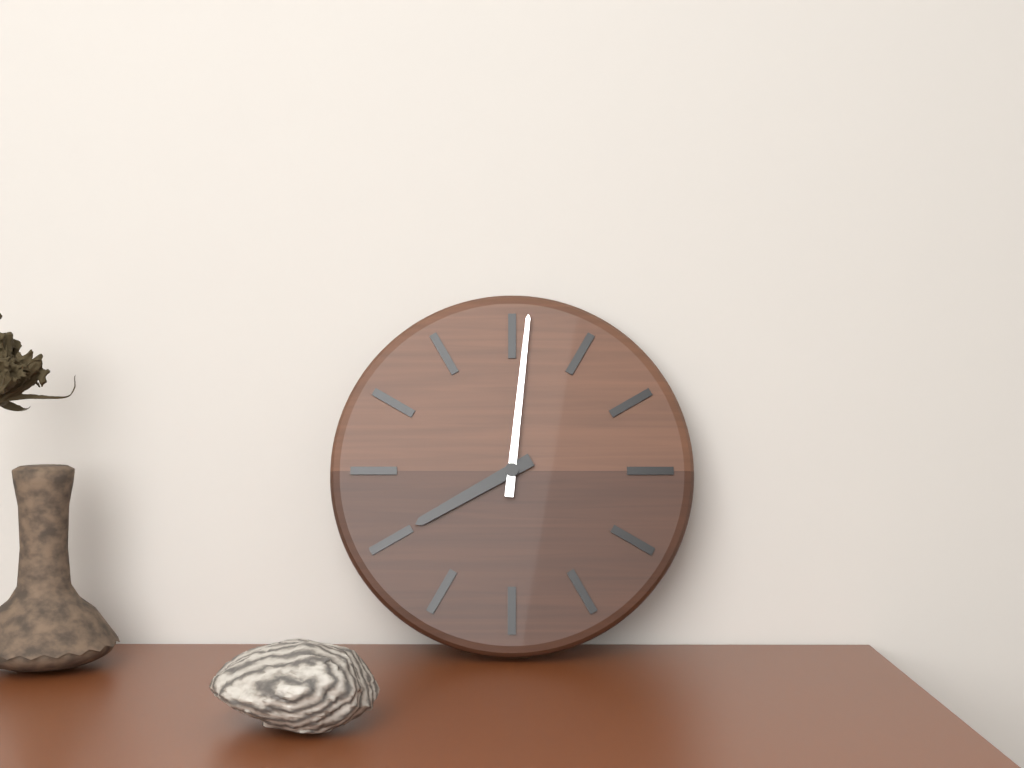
8:01
